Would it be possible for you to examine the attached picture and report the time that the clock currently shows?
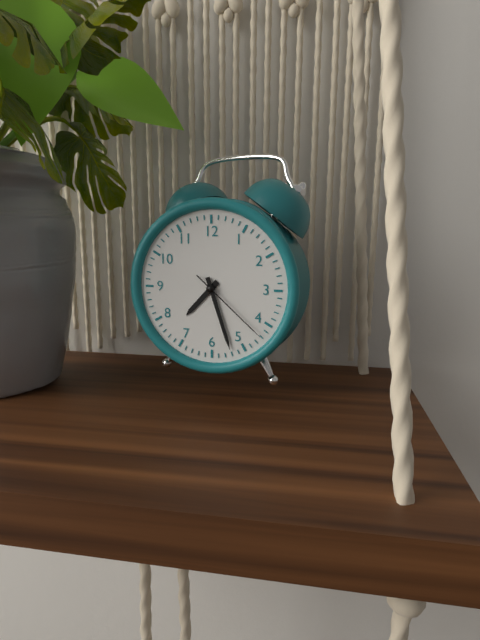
7:27:22
